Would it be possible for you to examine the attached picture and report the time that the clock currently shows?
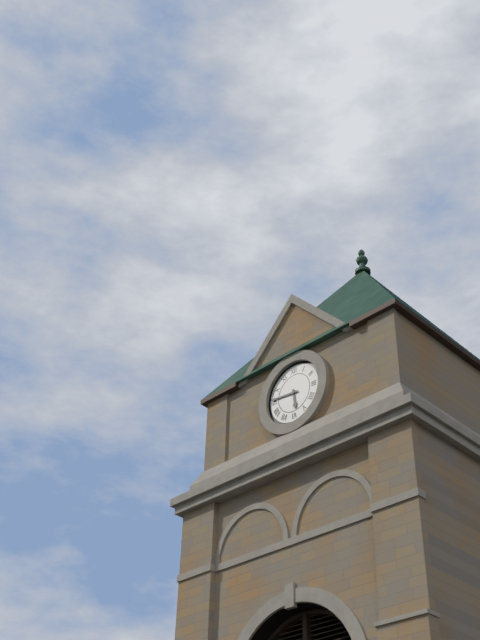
5:46
